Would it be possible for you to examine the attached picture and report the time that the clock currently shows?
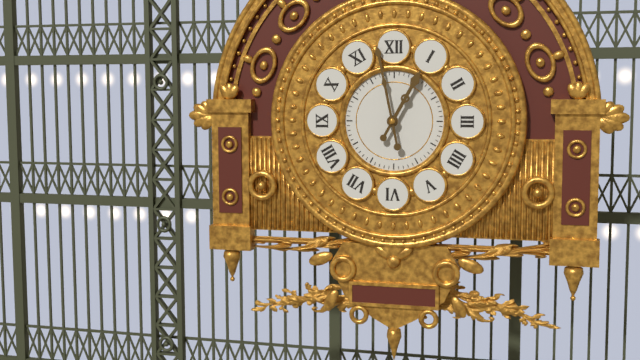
12:58
